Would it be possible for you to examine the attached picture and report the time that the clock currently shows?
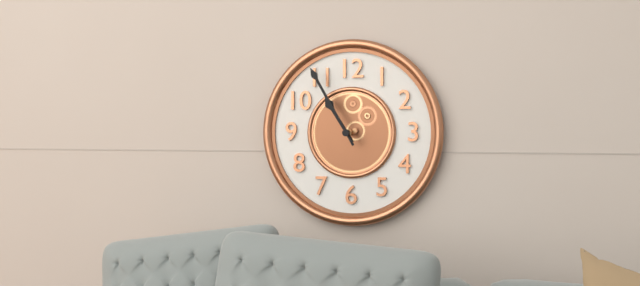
10:55
